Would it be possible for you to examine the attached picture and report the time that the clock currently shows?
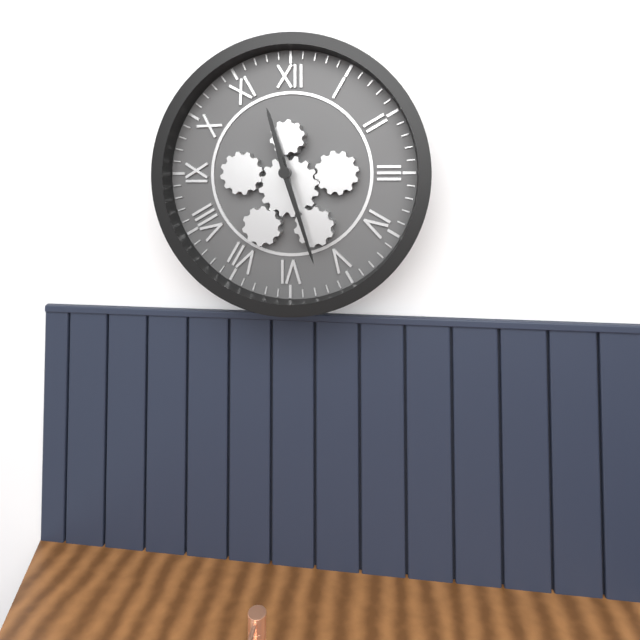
11:27
